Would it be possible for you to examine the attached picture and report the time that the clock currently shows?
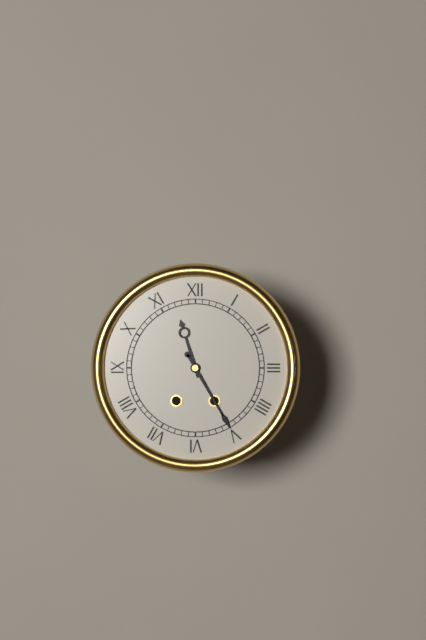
11:25
